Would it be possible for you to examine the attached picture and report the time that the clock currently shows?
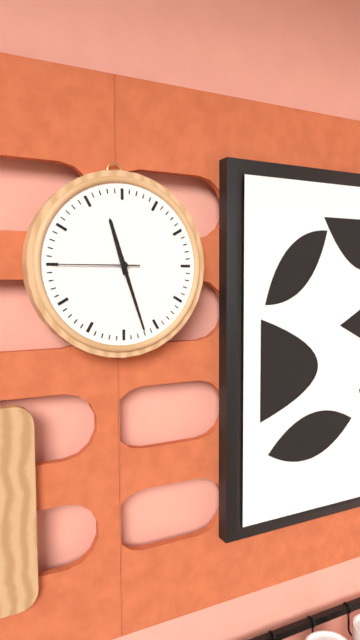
11:27:45
